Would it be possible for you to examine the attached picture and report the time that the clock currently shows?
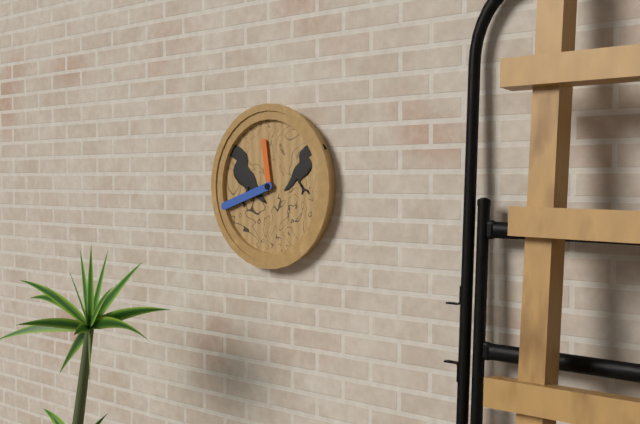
11:42
